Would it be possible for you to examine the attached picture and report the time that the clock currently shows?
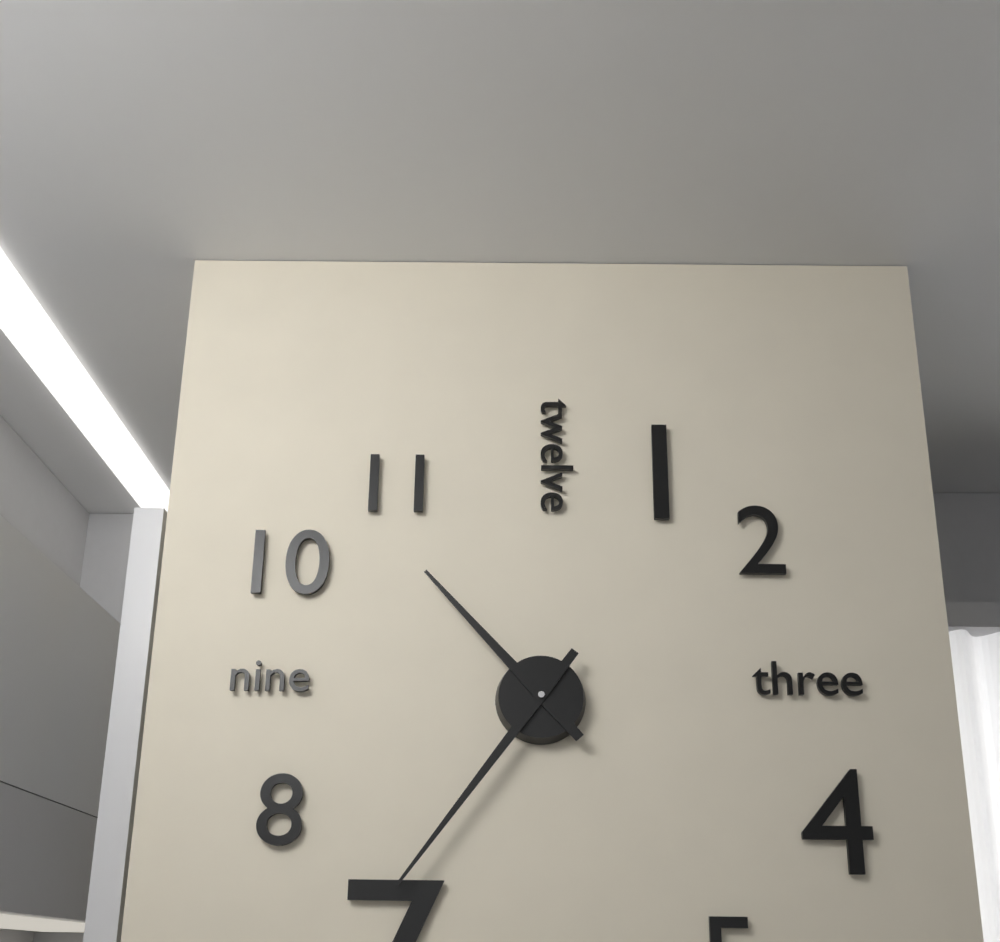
10:36
